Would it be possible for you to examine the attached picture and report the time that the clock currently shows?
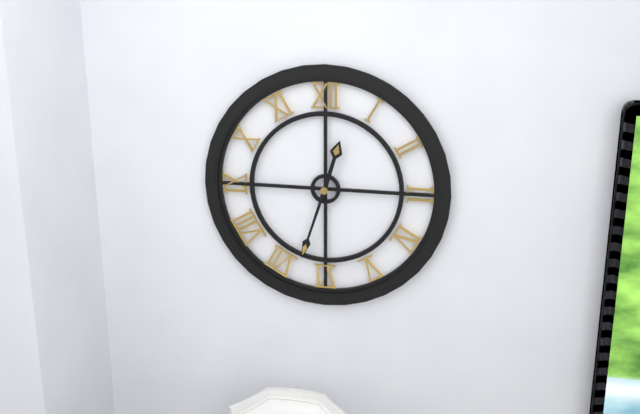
12:33
